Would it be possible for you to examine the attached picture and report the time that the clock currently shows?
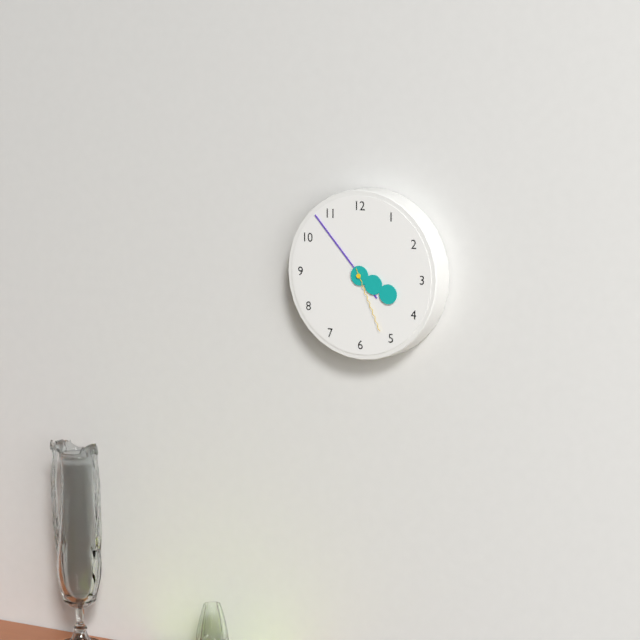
3:53:26
